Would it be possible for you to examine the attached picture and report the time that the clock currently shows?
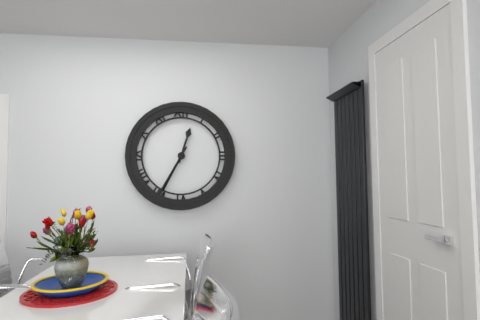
12:35
